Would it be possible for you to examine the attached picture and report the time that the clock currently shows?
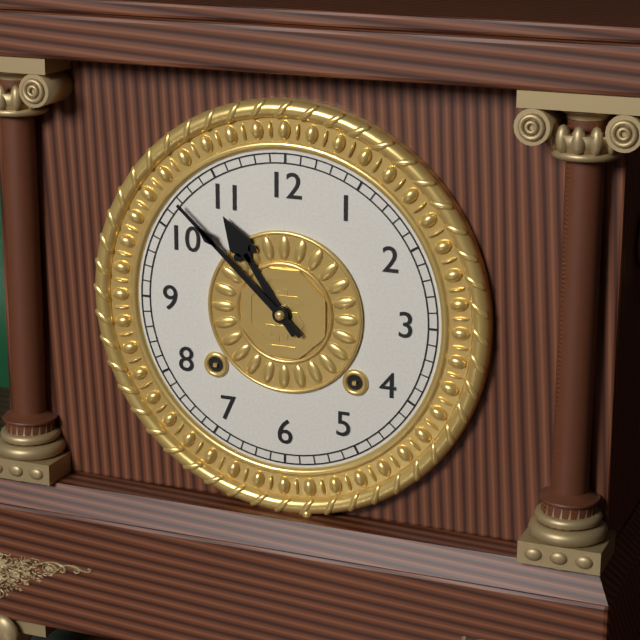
10:52
